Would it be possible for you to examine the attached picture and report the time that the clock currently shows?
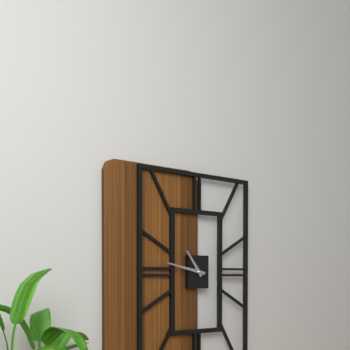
10:47
